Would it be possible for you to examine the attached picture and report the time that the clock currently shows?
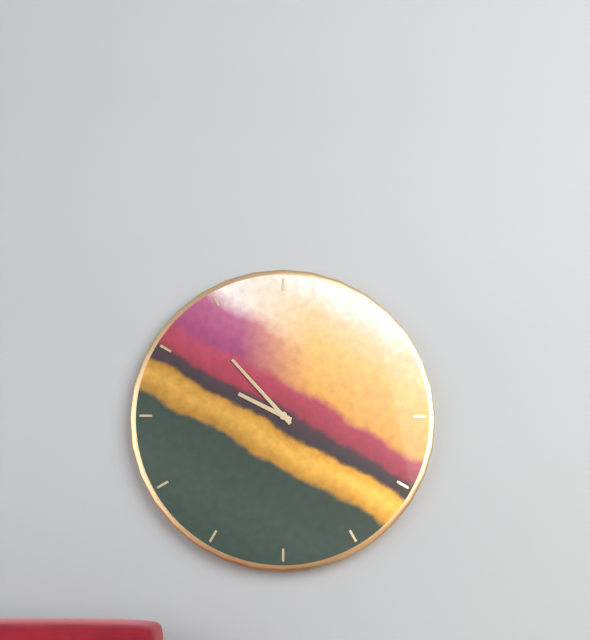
9:53
